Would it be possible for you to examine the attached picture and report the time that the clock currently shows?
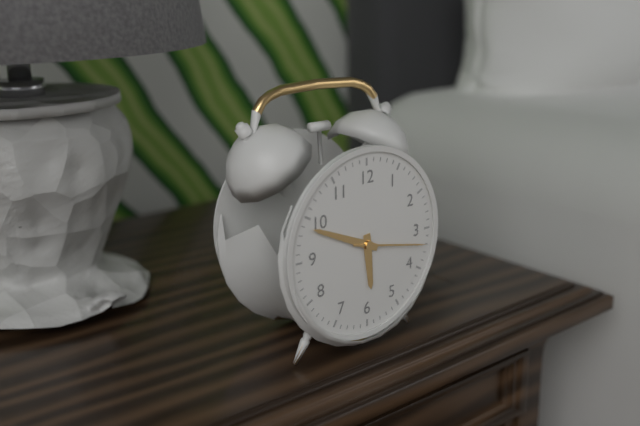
5:49:17
